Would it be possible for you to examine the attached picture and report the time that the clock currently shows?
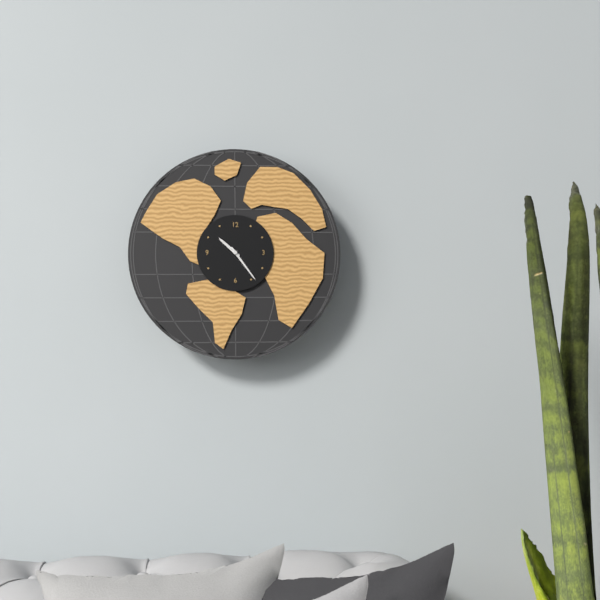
10:24
